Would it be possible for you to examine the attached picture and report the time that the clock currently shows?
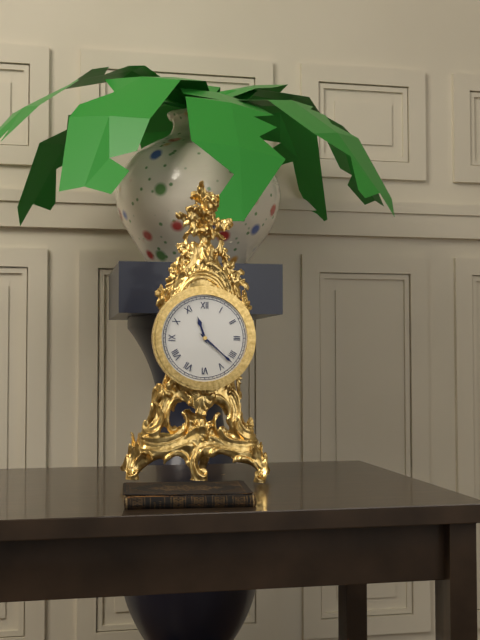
11:22
